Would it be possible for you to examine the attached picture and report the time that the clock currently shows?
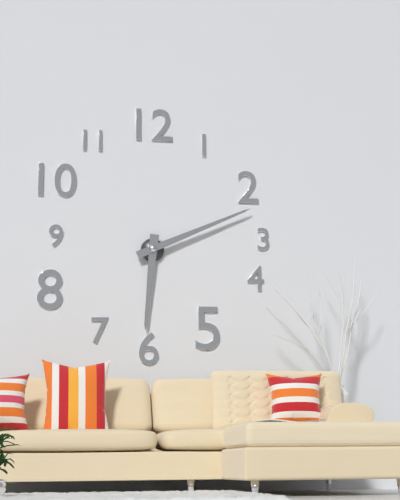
6:11
